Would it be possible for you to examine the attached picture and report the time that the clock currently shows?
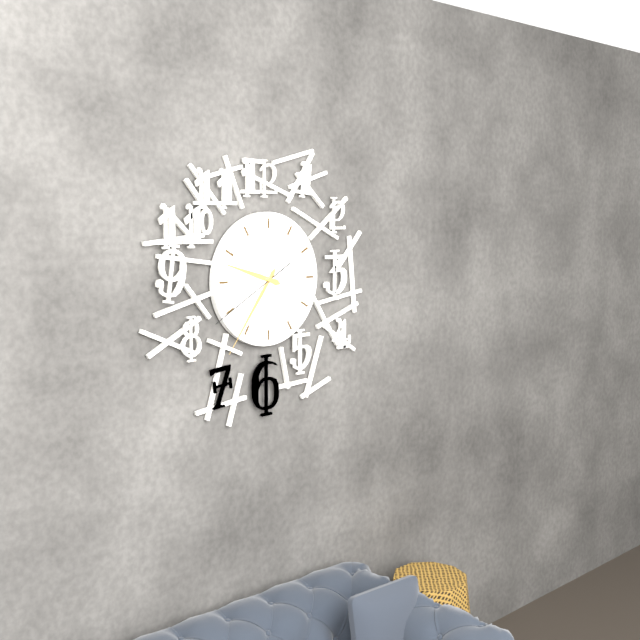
9:36:40
